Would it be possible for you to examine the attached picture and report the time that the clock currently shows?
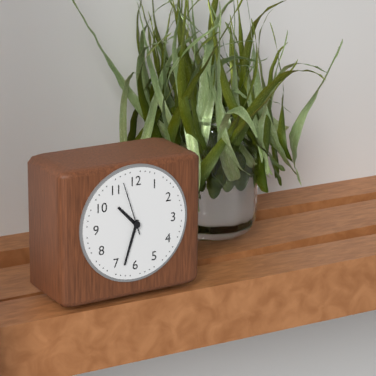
10:33:57
